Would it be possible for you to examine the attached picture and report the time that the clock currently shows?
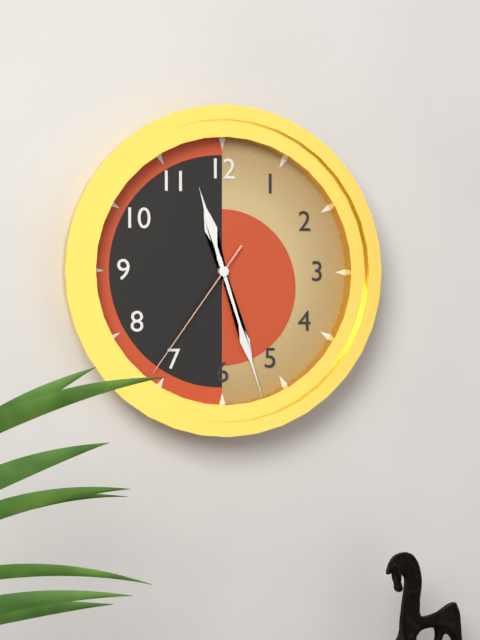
11:27:36
